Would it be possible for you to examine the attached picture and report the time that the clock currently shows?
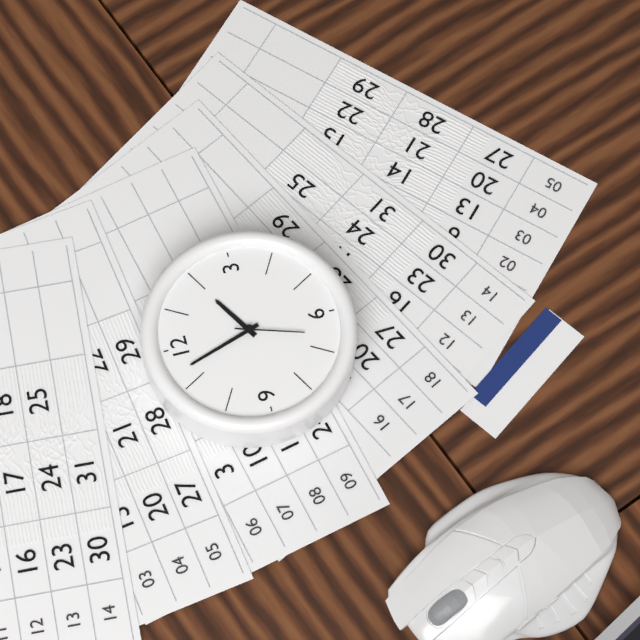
1:57:33
